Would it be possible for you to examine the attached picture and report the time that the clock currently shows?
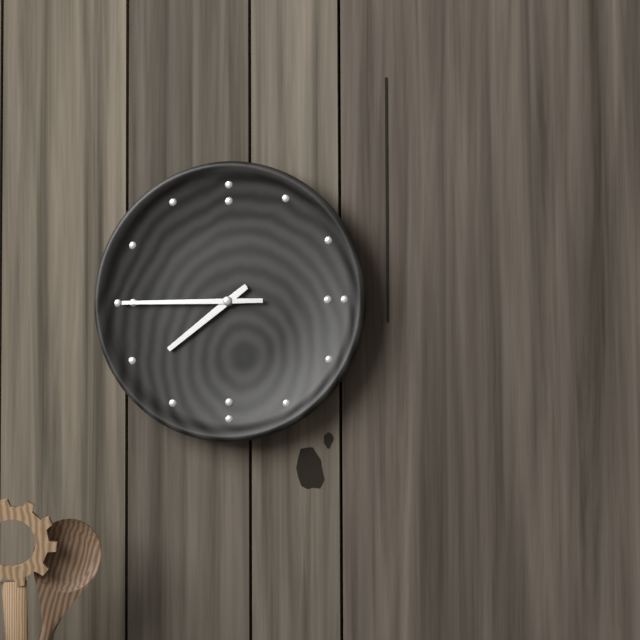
7:45
